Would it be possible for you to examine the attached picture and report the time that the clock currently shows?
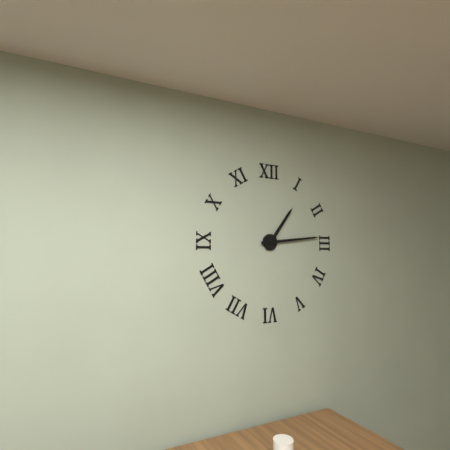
1:14
